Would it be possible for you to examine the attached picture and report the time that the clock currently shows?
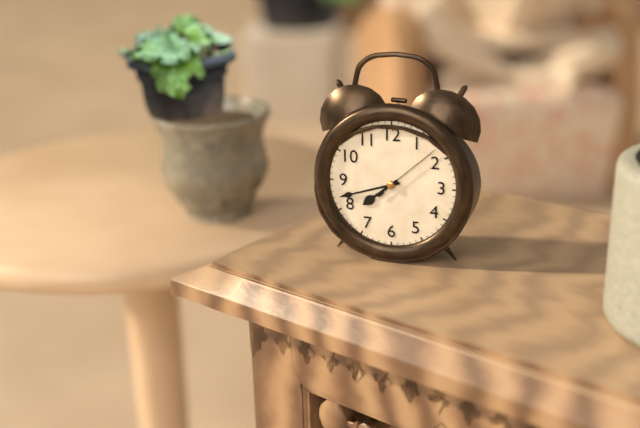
7:42:08
